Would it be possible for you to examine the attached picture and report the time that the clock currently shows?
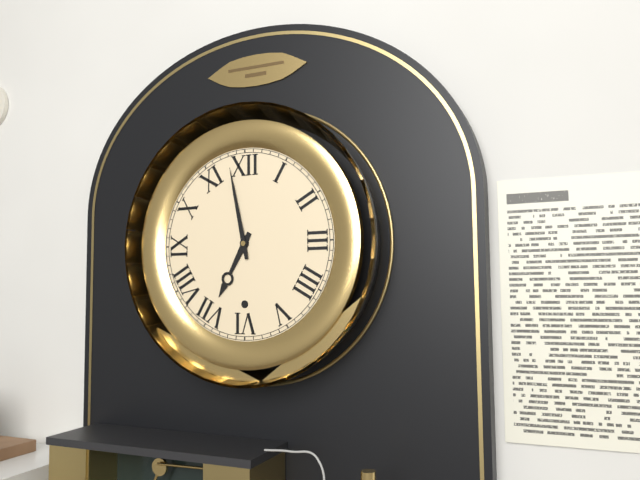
6:58
